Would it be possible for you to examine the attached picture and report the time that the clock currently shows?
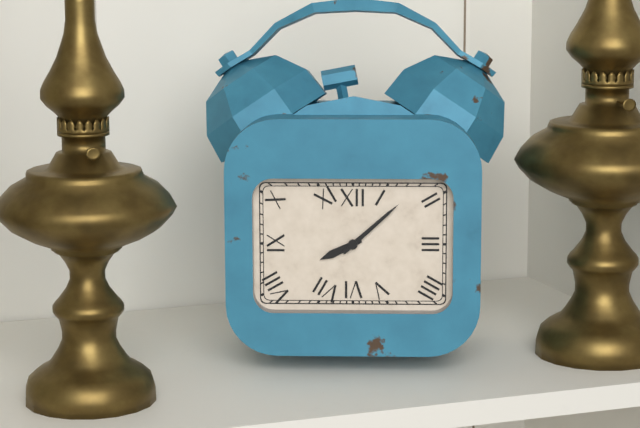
8:08
